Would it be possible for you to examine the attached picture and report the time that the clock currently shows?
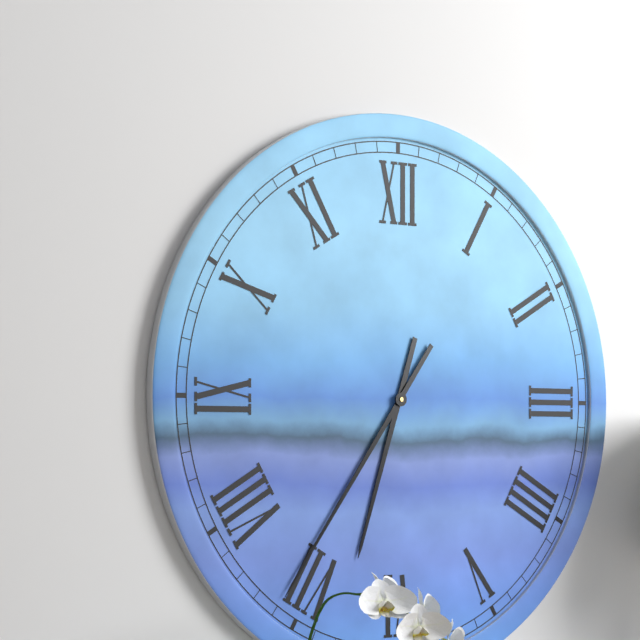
6:36
